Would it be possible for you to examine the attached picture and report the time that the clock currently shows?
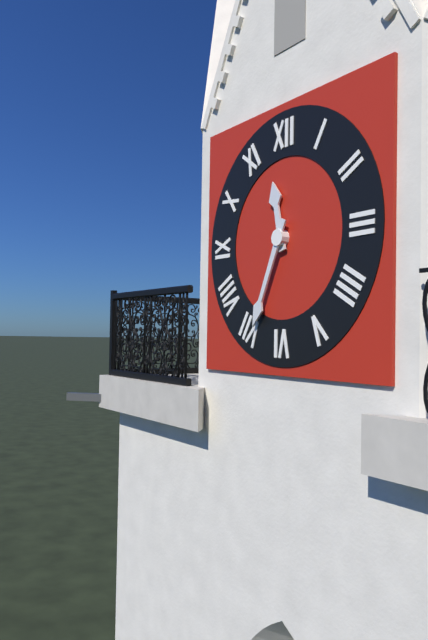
11:34
